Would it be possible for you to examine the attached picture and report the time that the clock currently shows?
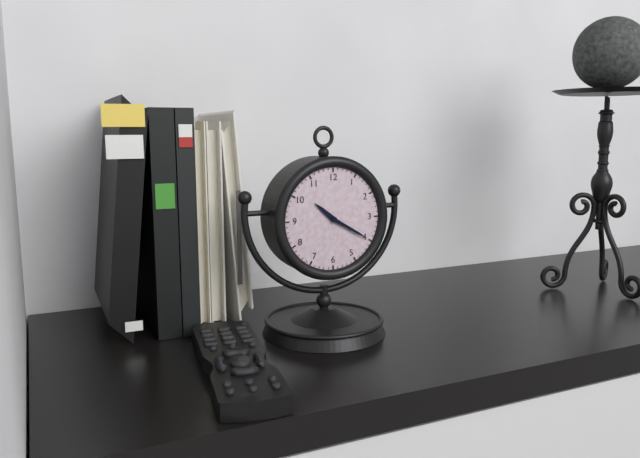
10:20
